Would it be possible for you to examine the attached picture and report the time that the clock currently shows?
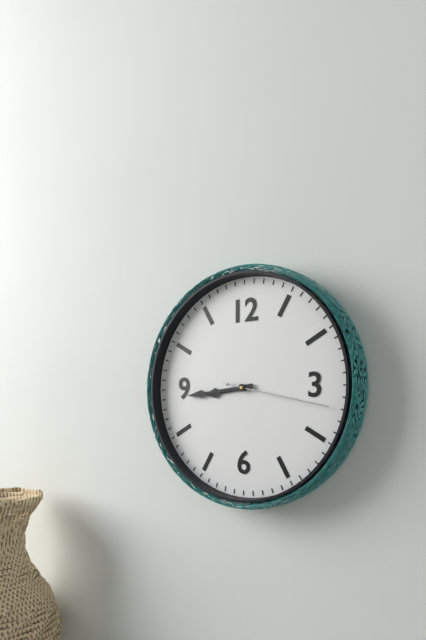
8:44:17
